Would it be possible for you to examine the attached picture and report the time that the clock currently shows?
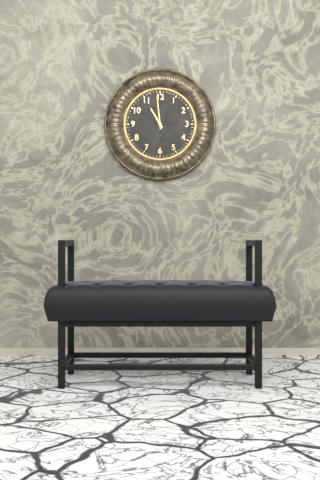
10:59
